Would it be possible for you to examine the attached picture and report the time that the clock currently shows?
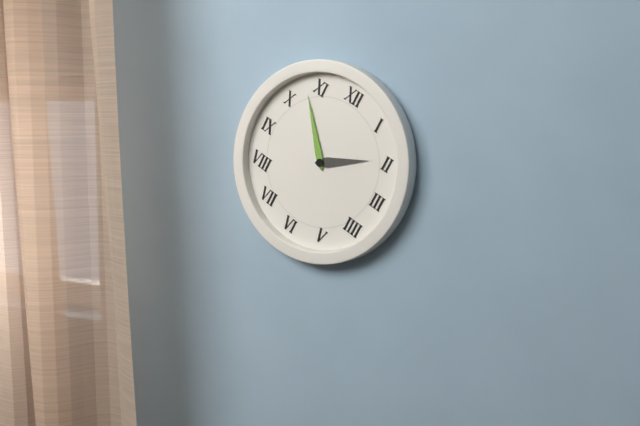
1:53
